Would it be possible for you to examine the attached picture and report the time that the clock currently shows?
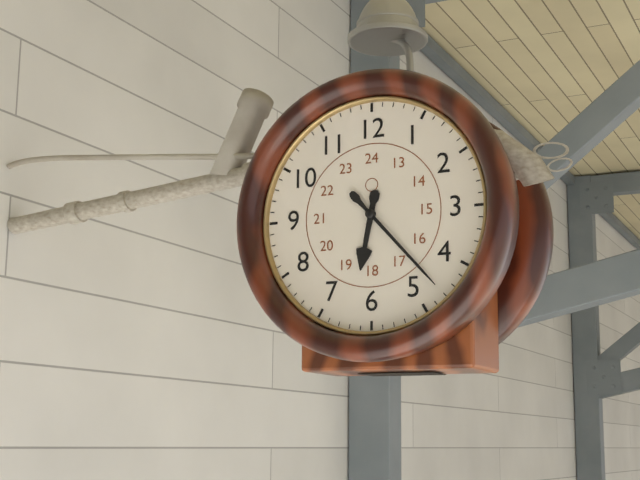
6:23
